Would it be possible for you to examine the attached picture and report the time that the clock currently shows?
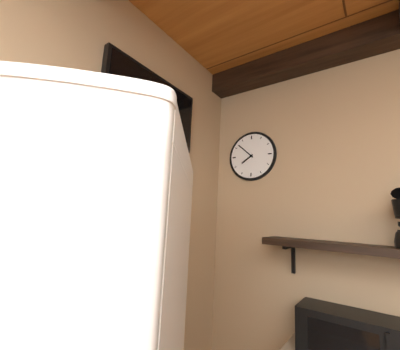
7:52
